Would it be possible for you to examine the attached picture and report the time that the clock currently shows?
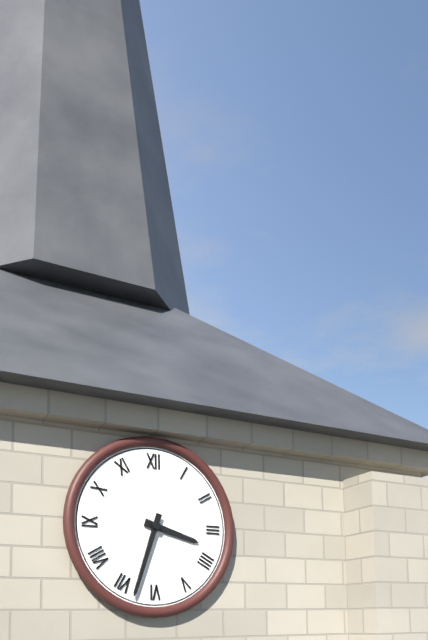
3:33
